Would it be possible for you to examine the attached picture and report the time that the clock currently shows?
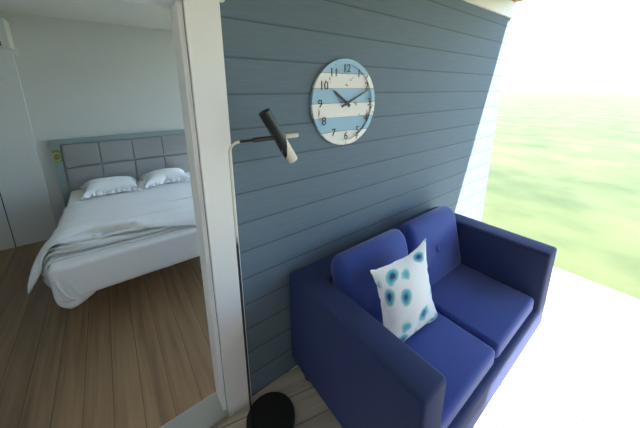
10:11
